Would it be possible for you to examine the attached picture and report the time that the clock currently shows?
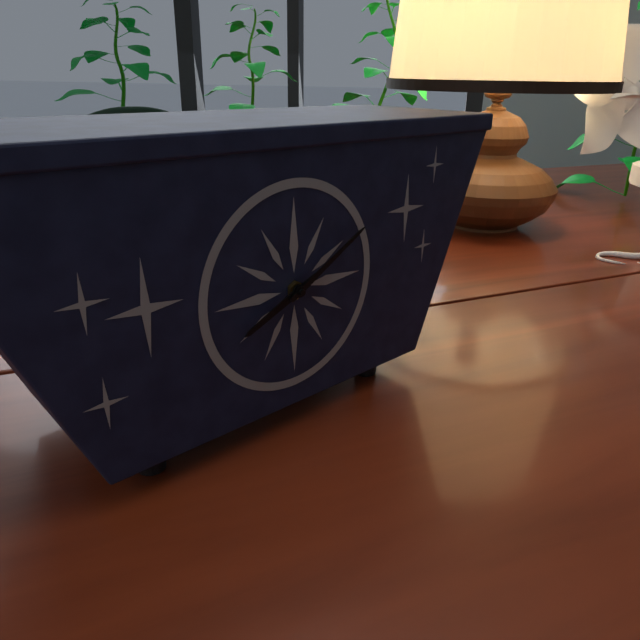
8:10
